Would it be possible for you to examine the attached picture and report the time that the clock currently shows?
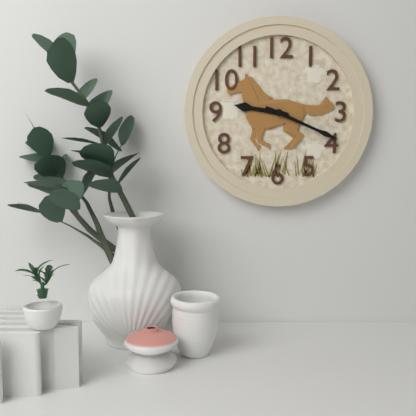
9:19
